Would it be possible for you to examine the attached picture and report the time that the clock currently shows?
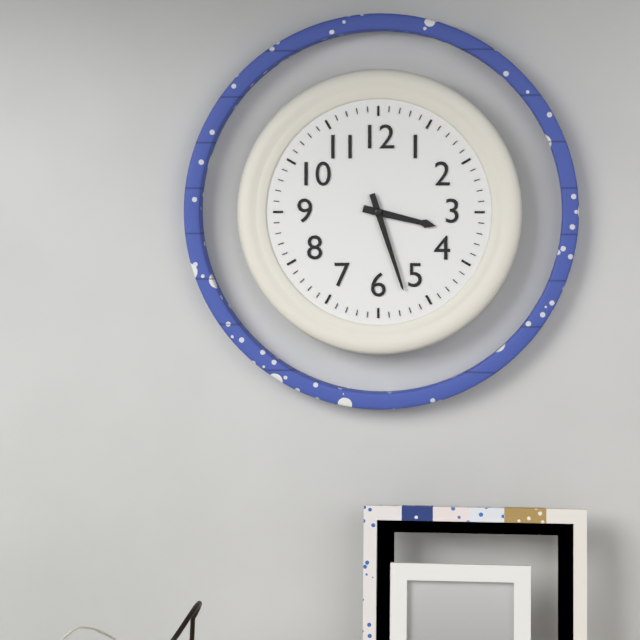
3:27
